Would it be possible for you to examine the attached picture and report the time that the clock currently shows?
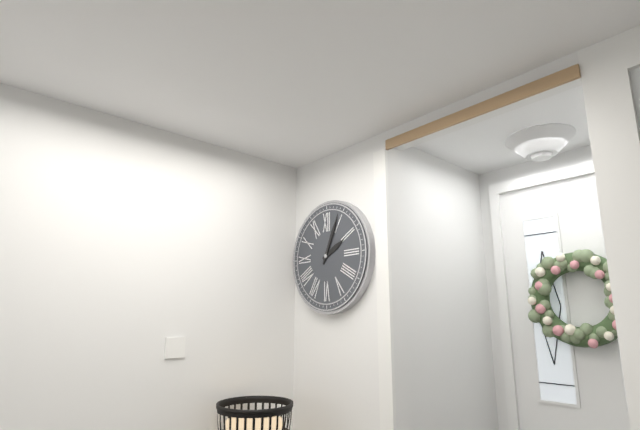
2:04
